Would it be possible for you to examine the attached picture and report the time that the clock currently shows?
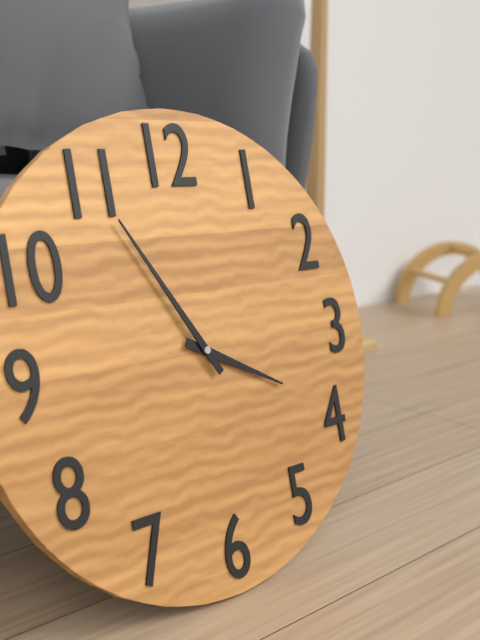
3:55
